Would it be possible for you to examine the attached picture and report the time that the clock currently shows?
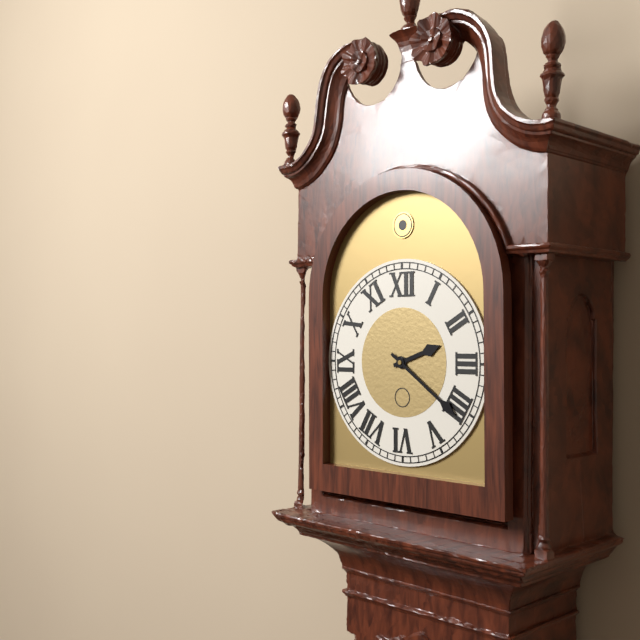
2:21
